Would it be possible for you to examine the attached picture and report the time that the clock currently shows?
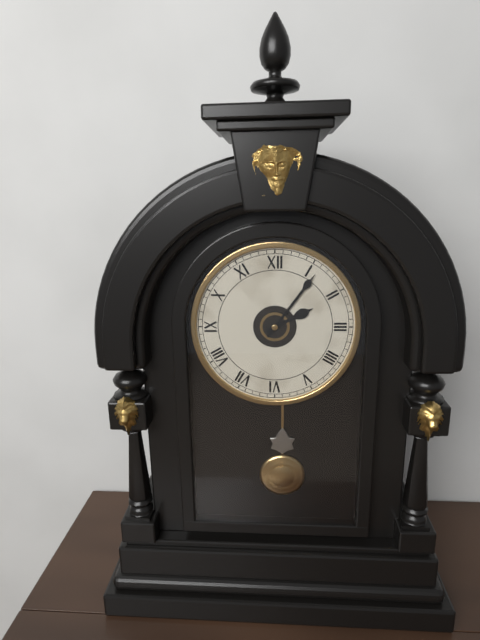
2:06
